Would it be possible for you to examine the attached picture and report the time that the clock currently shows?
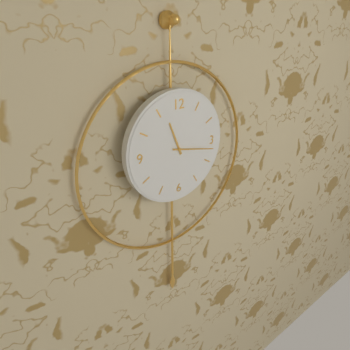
11:17
